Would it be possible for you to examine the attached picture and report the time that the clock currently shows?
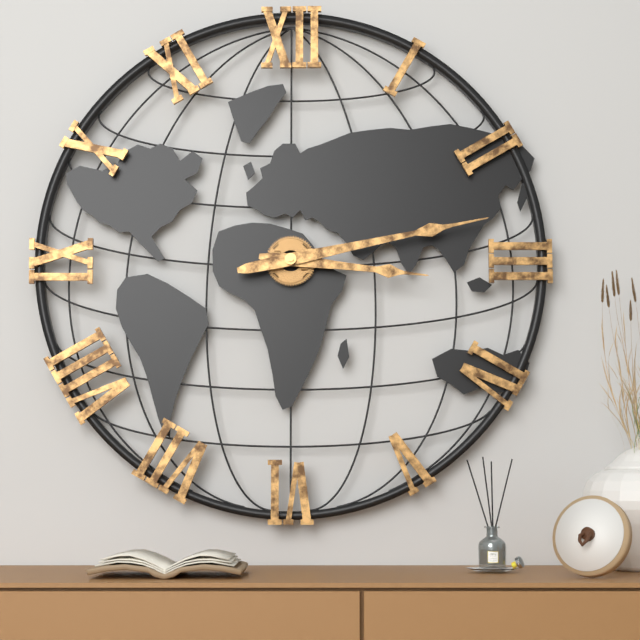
3:13
